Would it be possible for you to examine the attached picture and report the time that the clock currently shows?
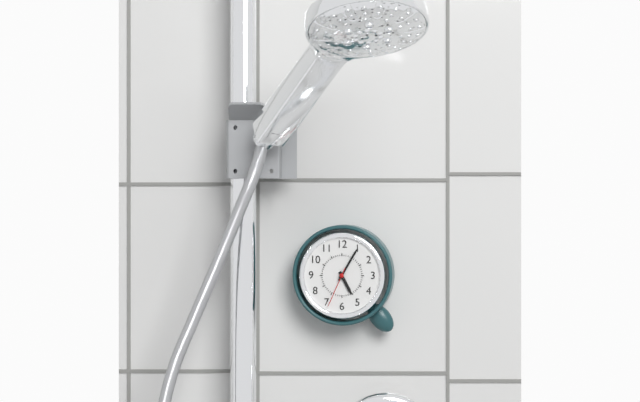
5:05
